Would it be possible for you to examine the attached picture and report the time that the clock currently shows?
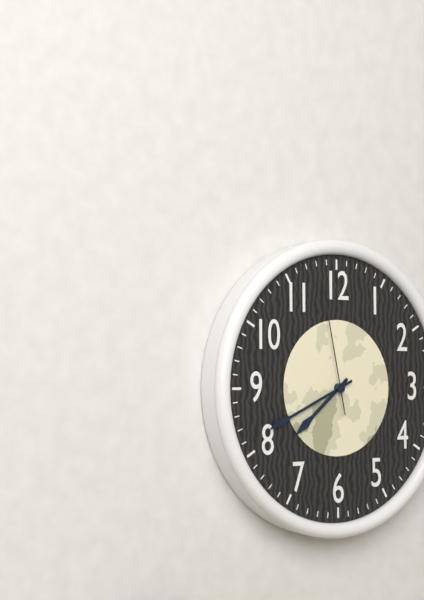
7:41:58
